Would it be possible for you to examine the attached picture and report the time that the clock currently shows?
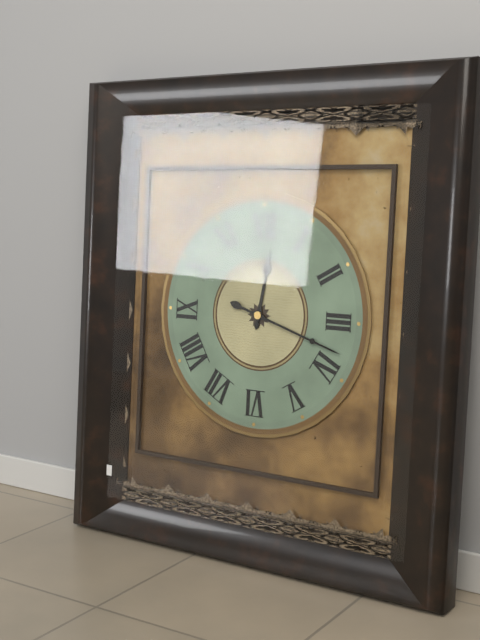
12:18
